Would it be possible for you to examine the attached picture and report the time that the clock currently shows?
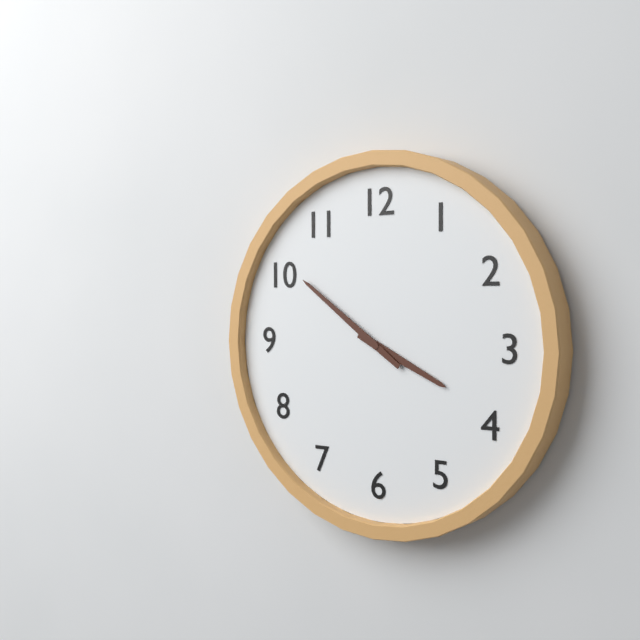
3:51
